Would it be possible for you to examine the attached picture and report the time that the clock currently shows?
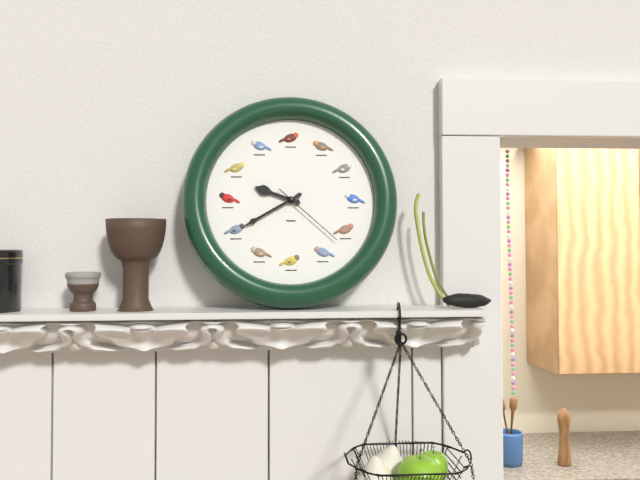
9:40:22
